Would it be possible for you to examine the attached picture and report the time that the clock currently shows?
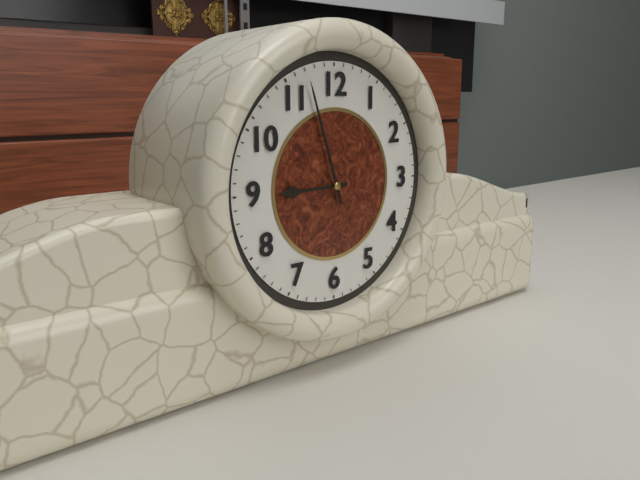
8:57
